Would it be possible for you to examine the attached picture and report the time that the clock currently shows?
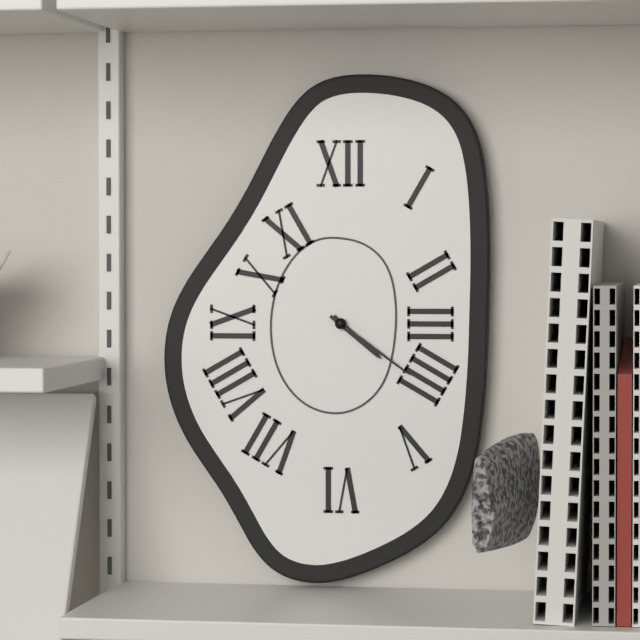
4:21
